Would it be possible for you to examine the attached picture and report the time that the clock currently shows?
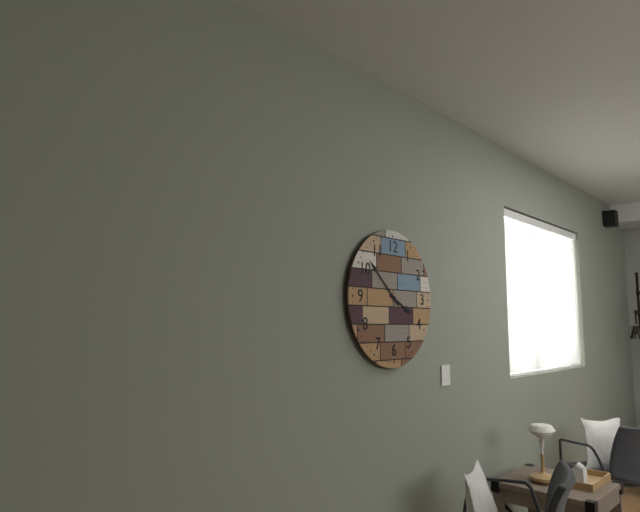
3:52
